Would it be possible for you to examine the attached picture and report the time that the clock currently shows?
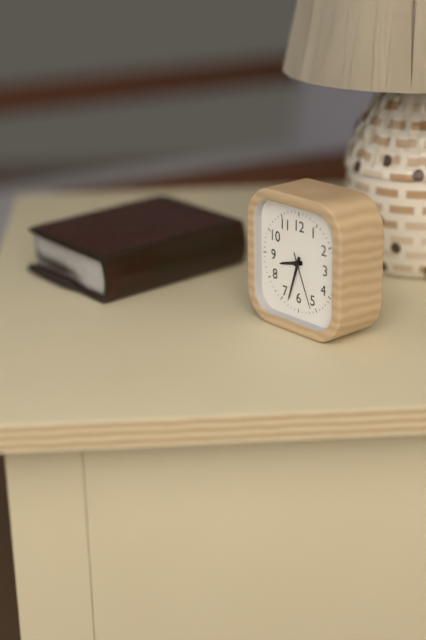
8:33:26
